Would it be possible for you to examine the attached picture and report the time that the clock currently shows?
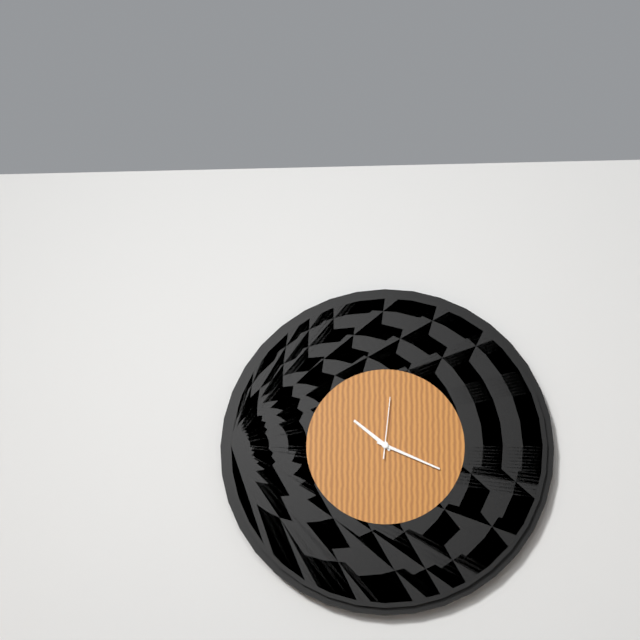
10:19:01
